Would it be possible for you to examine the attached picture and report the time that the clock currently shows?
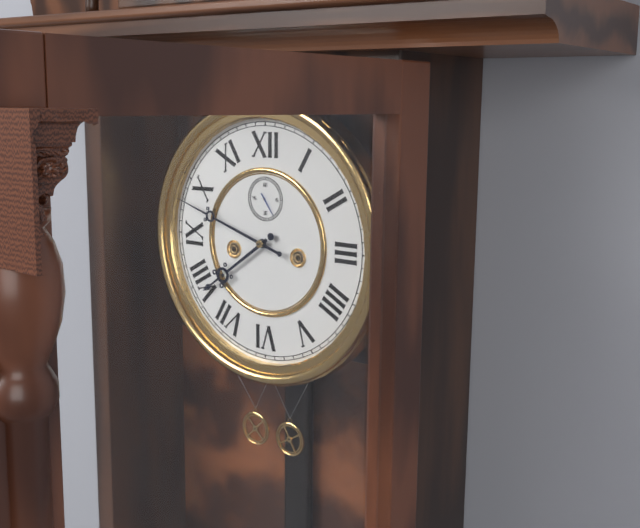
7:48
